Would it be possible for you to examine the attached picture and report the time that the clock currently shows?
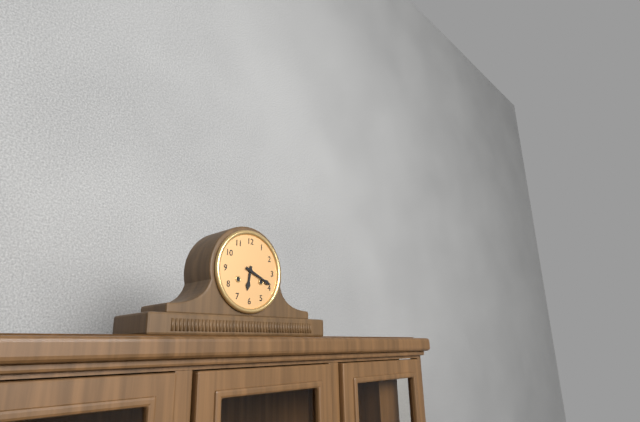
6:19
